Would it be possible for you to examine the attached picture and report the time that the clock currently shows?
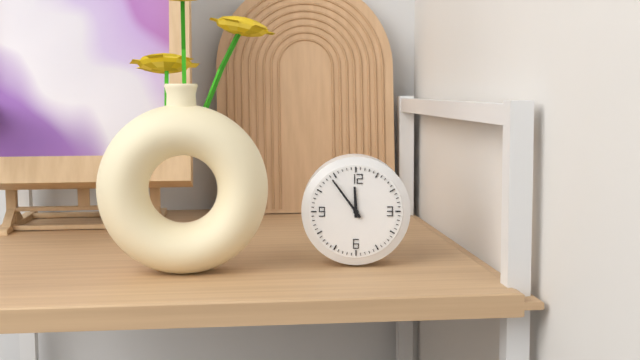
11:54
